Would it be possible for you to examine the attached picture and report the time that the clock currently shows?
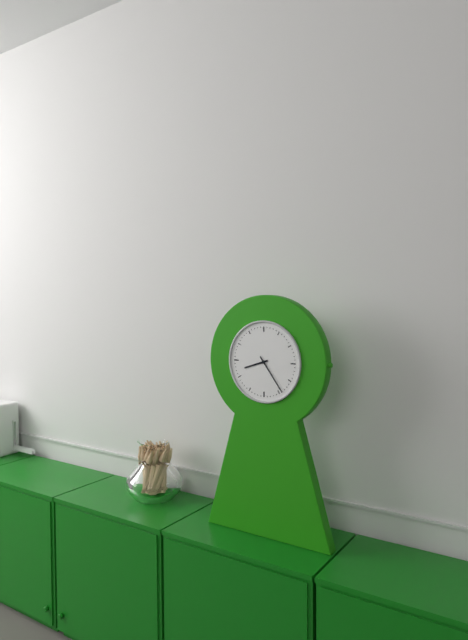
8:24
